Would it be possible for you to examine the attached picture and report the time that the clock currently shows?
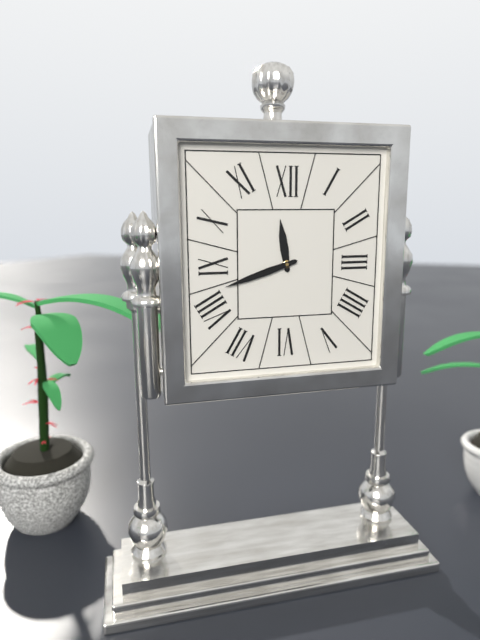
11:42
